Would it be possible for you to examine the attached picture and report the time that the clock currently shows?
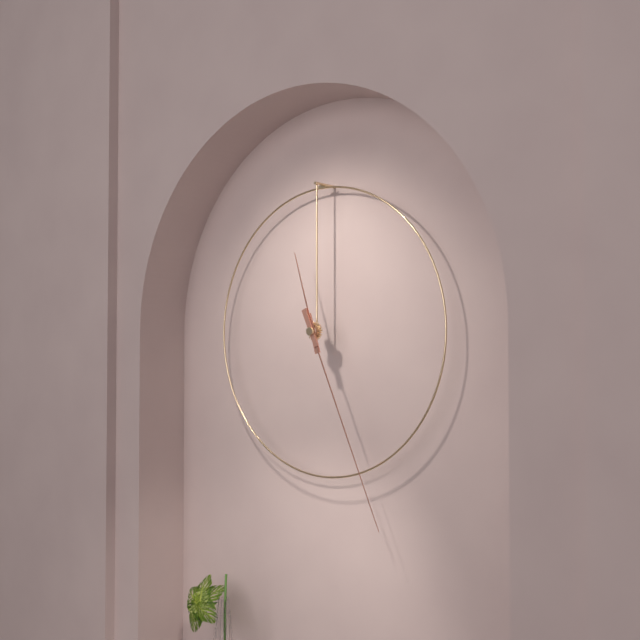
11:26
